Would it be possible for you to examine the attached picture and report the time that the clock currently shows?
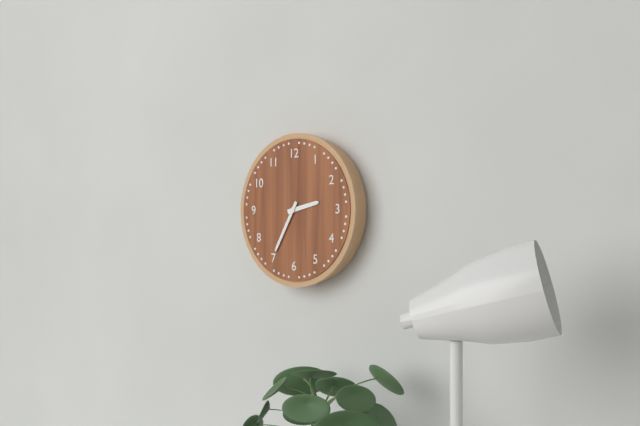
2:35
